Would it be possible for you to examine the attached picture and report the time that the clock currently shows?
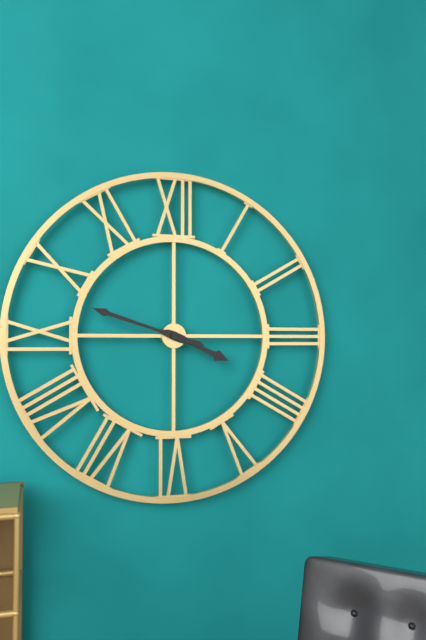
3:48
